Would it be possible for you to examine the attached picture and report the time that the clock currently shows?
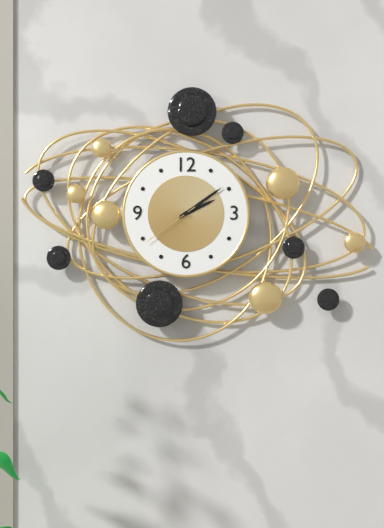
2:09:39
